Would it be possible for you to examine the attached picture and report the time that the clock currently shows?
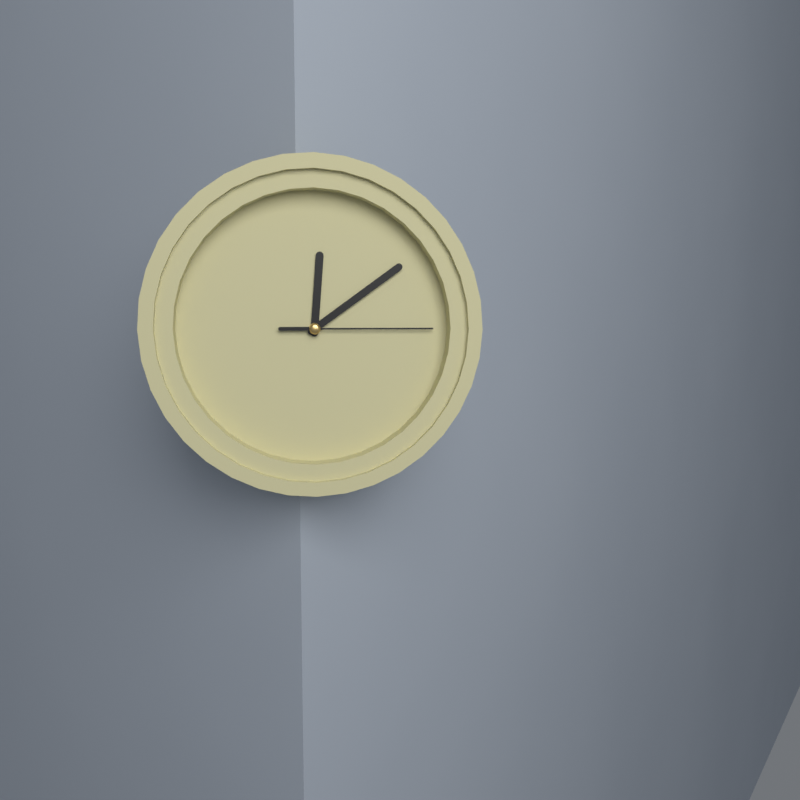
12:09:15
